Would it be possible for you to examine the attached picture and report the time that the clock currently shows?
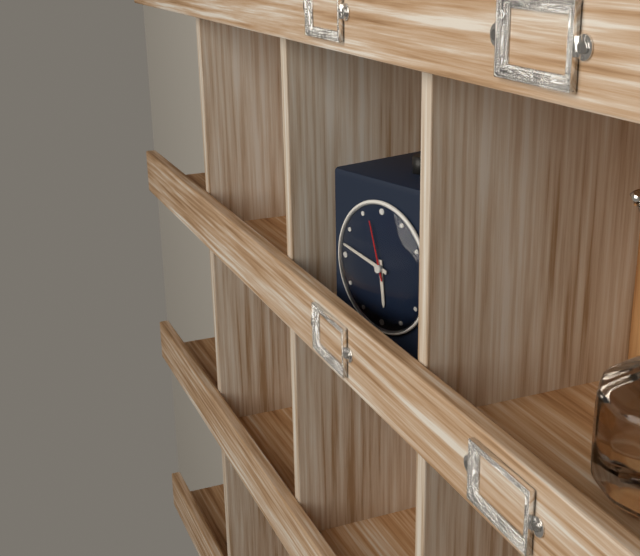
5:47:57
